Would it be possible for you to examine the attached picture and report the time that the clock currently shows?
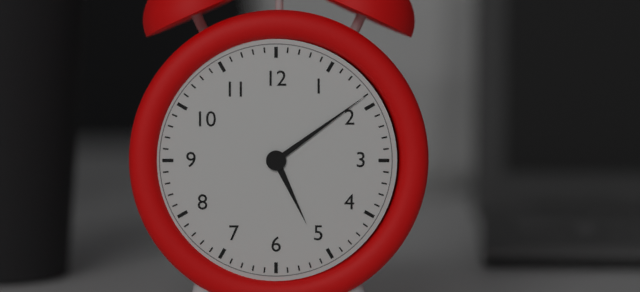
5:09
